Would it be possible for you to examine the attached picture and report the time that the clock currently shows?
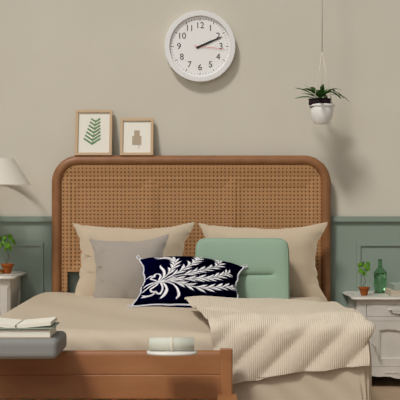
2:11
